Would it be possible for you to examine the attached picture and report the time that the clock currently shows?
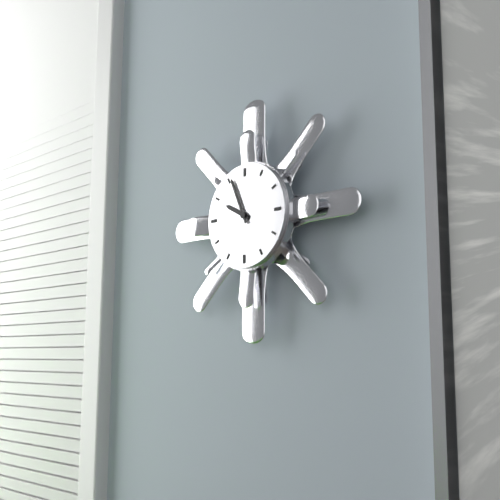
9:56
